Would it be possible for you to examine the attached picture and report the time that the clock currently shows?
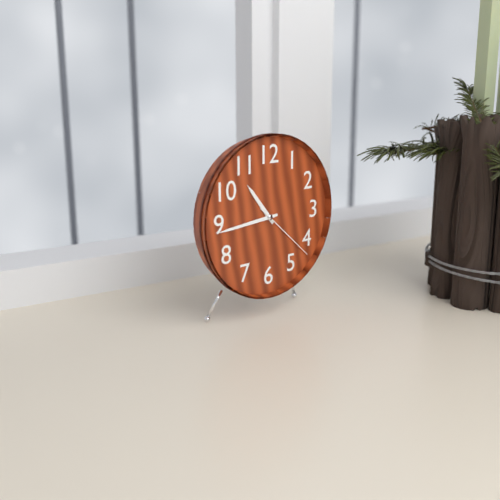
10:44:22
